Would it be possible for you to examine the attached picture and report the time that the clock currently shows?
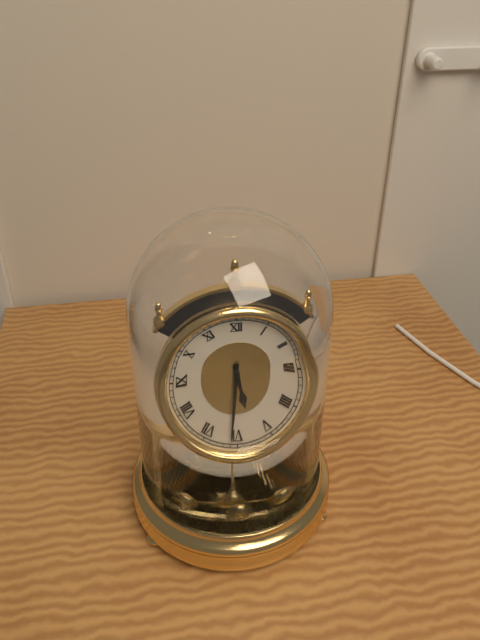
5:31
